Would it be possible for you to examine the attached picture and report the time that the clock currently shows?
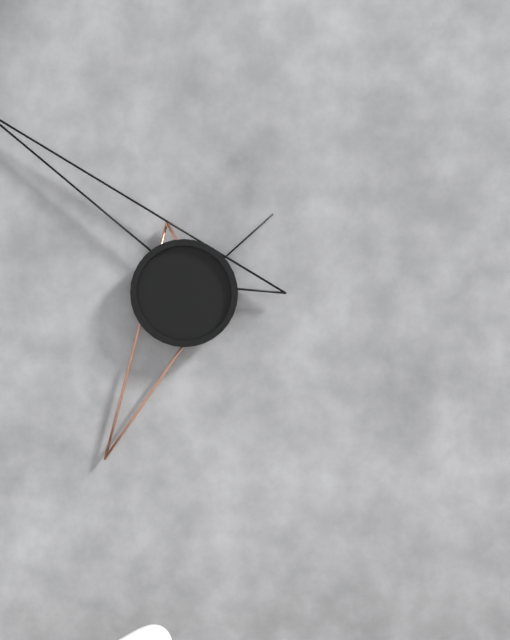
6:52:08
